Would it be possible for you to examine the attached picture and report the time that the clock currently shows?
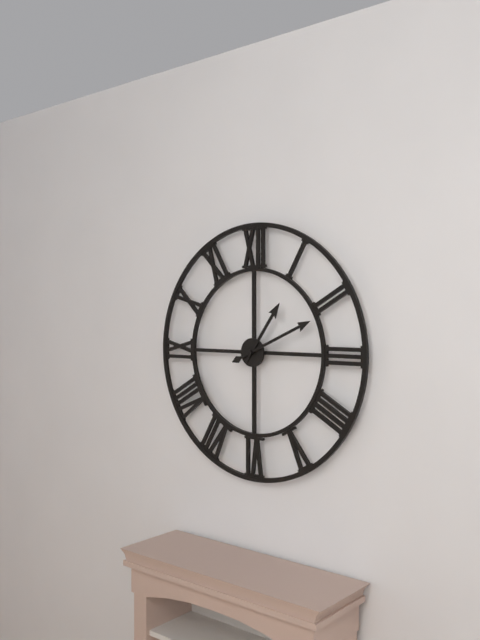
1:11
